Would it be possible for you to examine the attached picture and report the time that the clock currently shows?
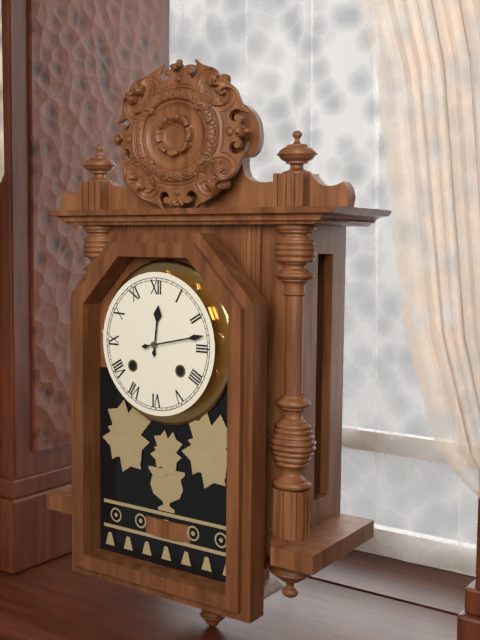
12:13
